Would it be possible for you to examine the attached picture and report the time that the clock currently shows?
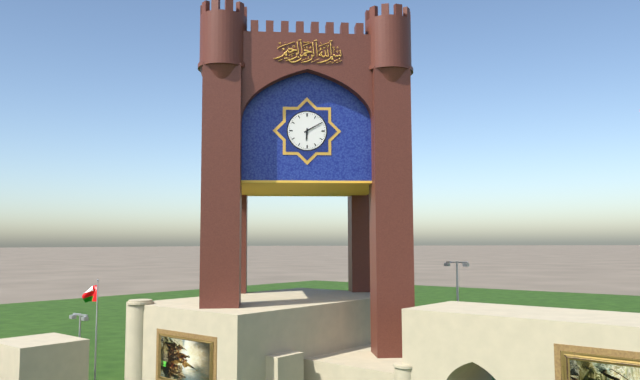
6:10
